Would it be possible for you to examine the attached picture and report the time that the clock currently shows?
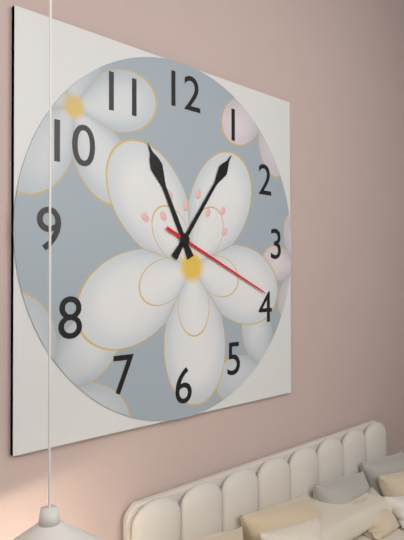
11:06:19
